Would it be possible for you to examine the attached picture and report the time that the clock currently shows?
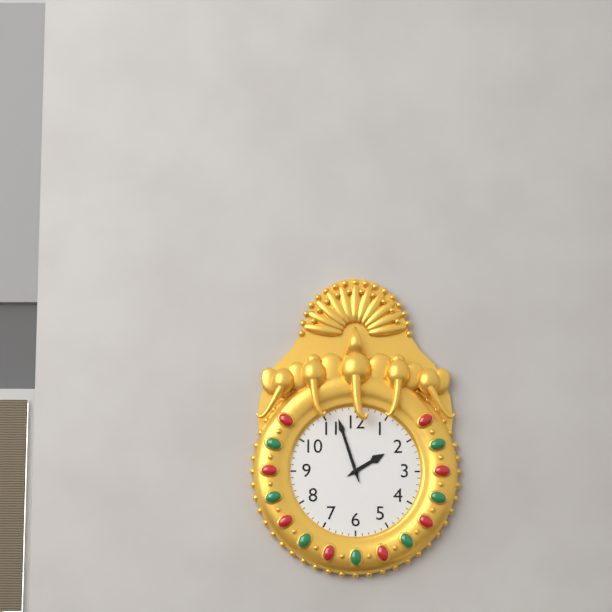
1:57
